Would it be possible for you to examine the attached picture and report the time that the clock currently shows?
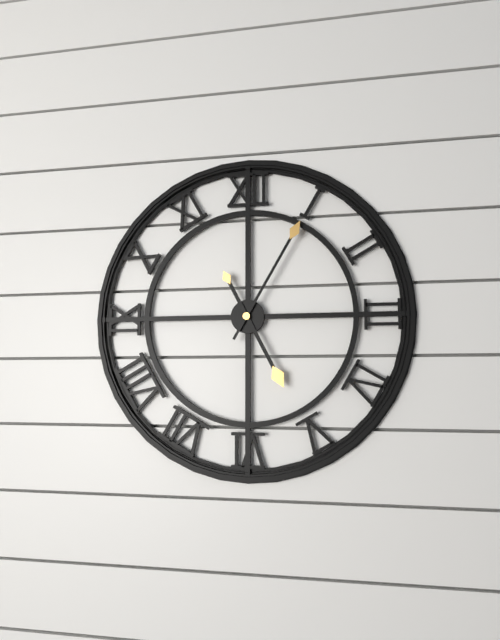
5:05
